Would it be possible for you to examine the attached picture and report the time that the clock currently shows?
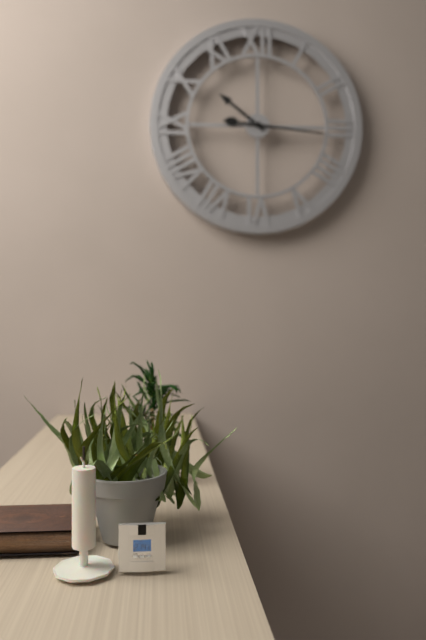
10:16
